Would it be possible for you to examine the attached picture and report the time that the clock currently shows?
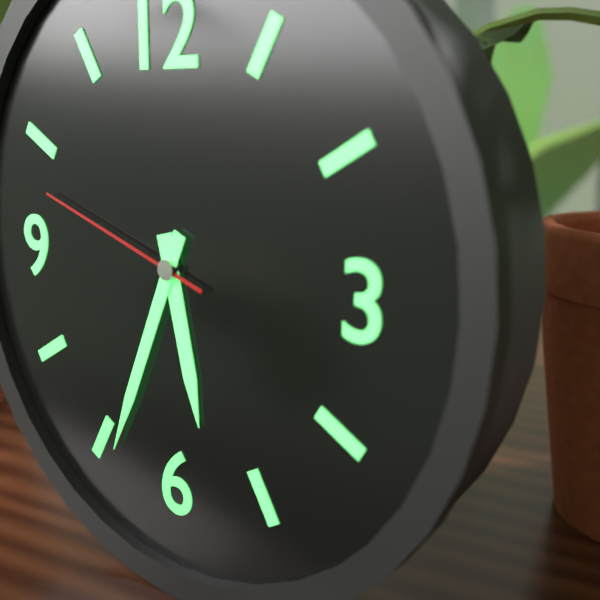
5:34:48
